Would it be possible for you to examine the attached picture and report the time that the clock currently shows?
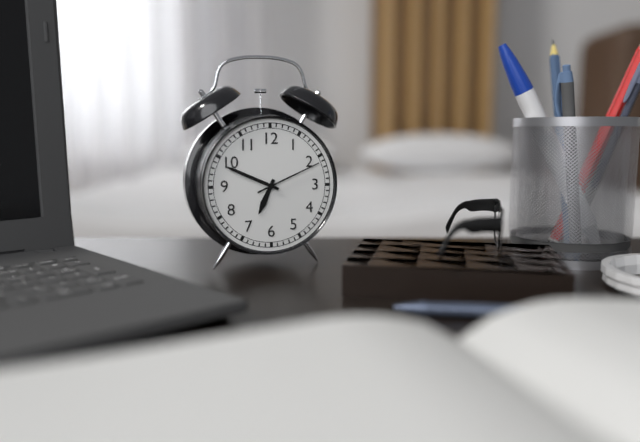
6:49:11
